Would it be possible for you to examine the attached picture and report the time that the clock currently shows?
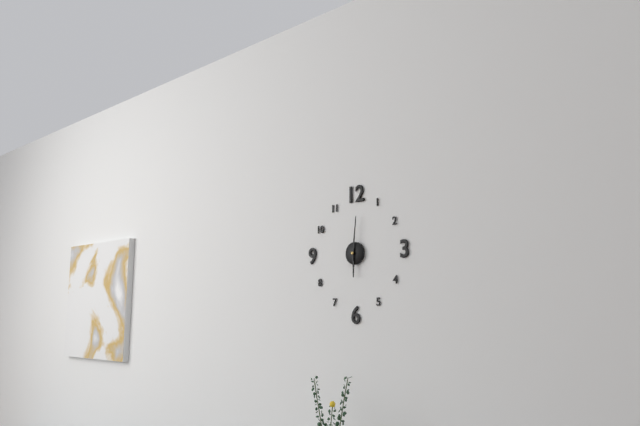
6:01
